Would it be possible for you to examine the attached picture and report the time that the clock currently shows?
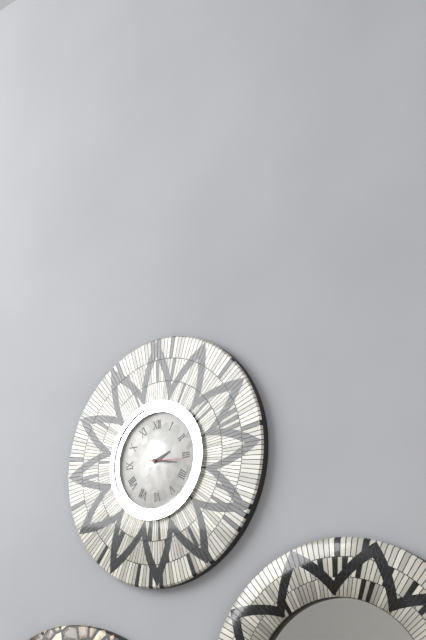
2:17
